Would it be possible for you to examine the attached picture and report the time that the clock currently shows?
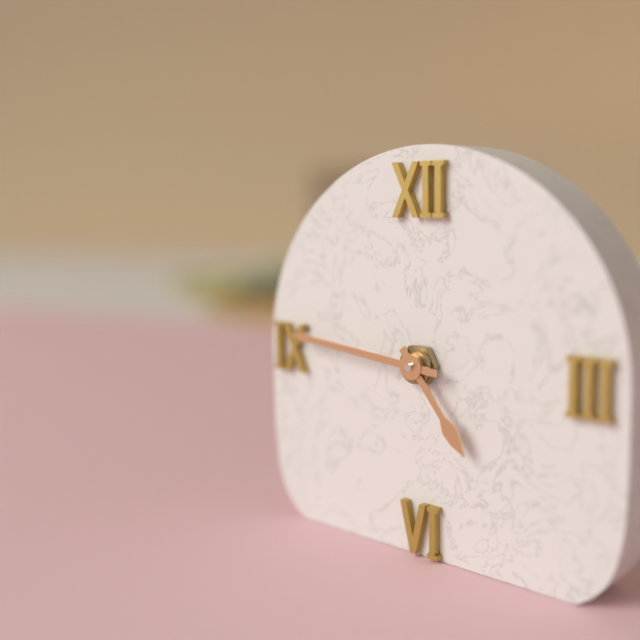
4:46
